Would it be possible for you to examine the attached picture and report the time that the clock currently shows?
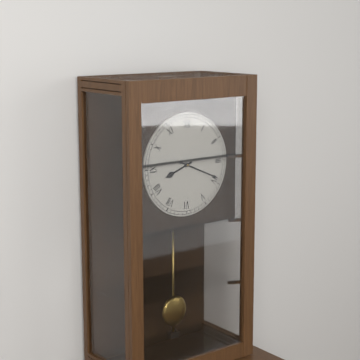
8:19
